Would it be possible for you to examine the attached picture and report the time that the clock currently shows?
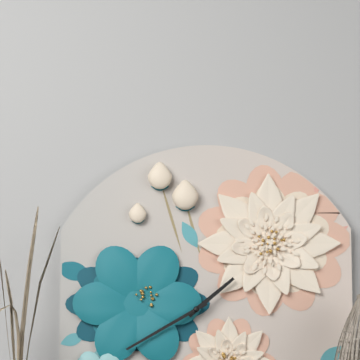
1:40
